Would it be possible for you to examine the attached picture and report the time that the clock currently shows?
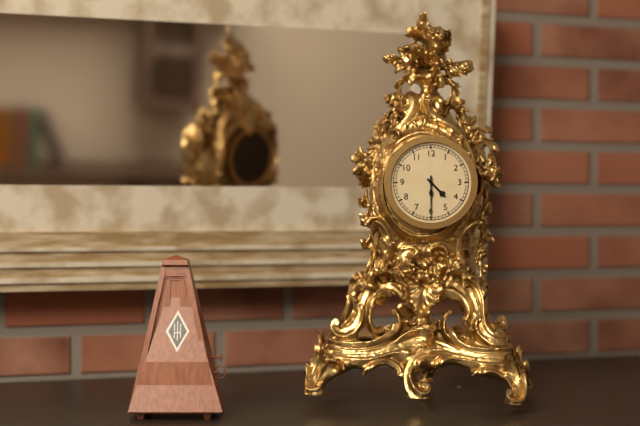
4:30
